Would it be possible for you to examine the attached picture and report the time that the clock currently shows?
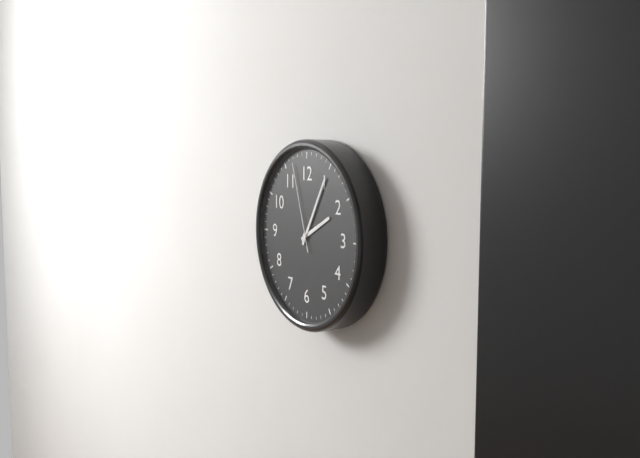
2:05:57
